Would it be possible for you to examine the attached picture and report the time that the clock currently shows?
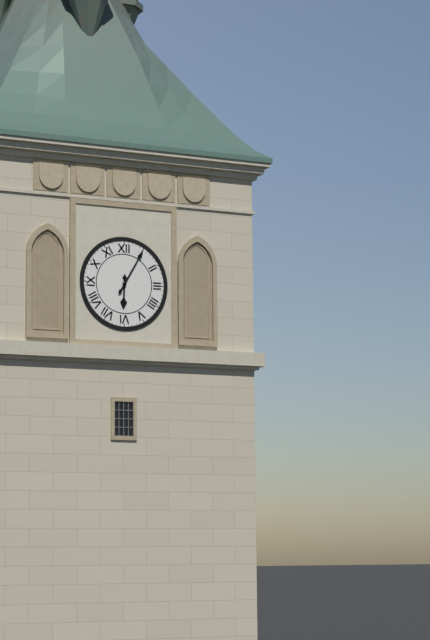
6:05
